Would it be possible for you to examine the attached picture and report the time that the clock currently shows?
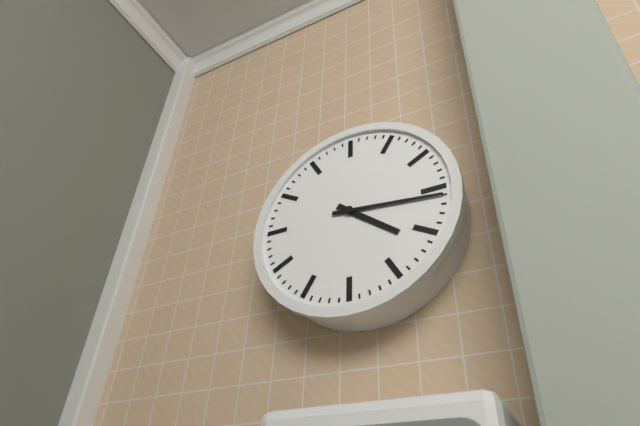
4:16
